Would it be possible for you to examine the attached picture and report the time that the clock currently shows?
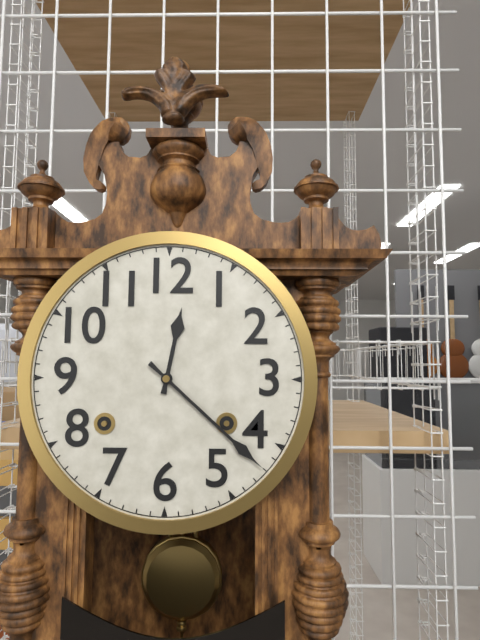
12:22
